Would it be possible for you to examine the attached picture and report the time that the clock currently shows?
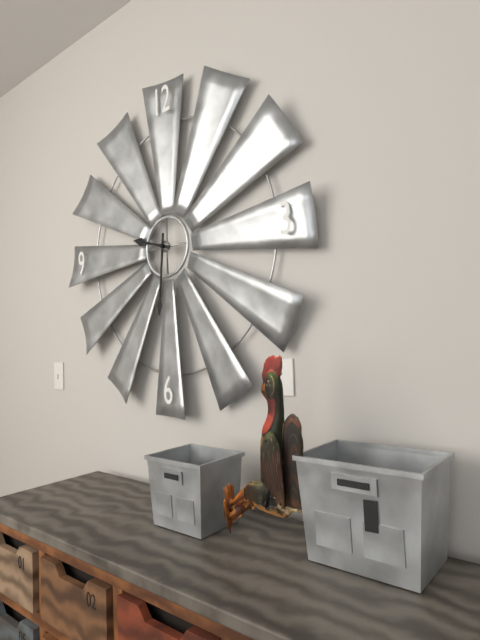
9:31
